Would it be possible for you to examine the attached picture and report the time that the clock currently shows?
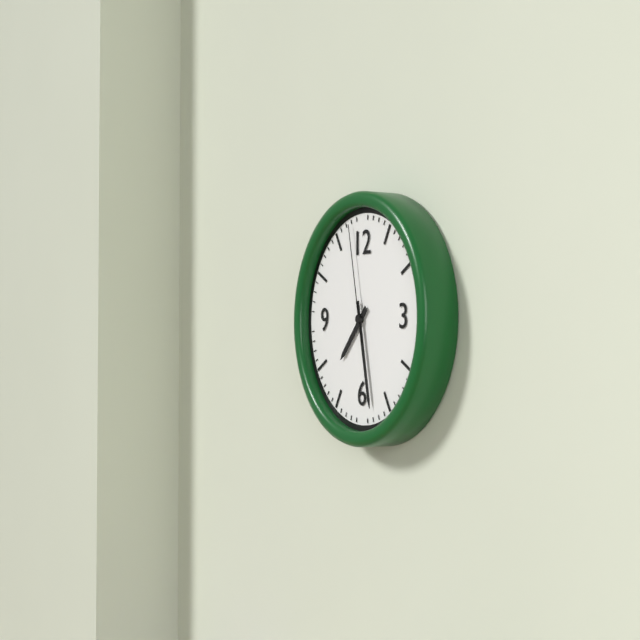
7:28:58
